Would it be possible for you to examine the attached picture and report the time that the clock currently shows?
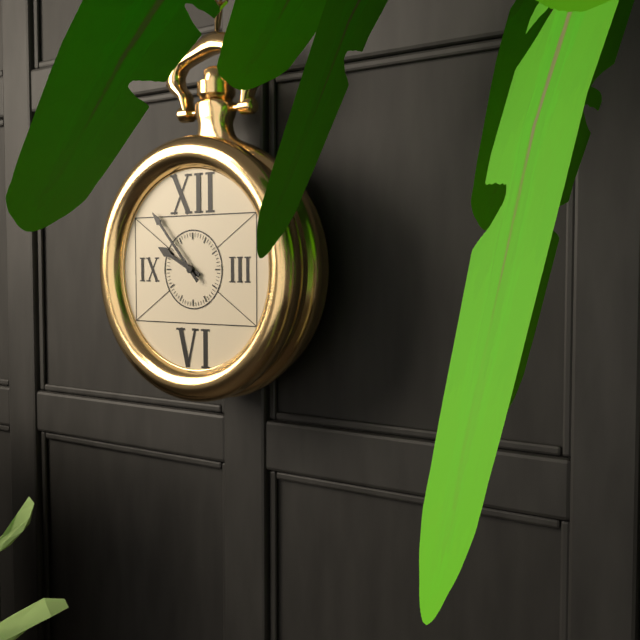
9:53
